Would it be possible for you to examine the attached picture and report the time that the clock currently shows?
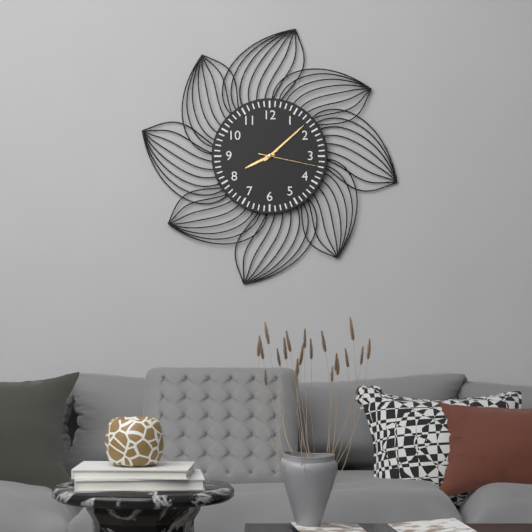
8:08:17
